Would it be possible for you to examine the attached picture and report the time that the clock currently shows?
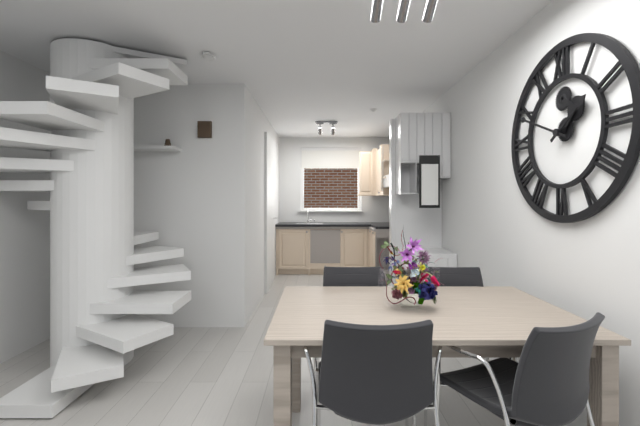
1:49
